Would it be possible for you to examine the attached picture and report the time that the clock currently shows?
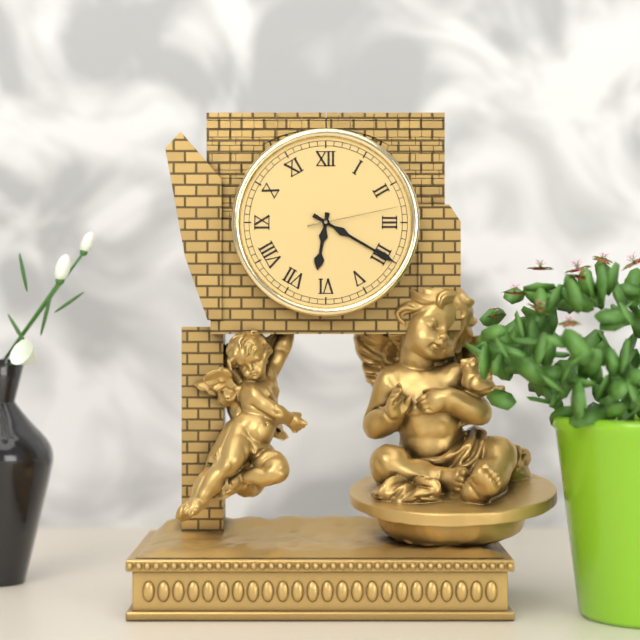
6:20:13
